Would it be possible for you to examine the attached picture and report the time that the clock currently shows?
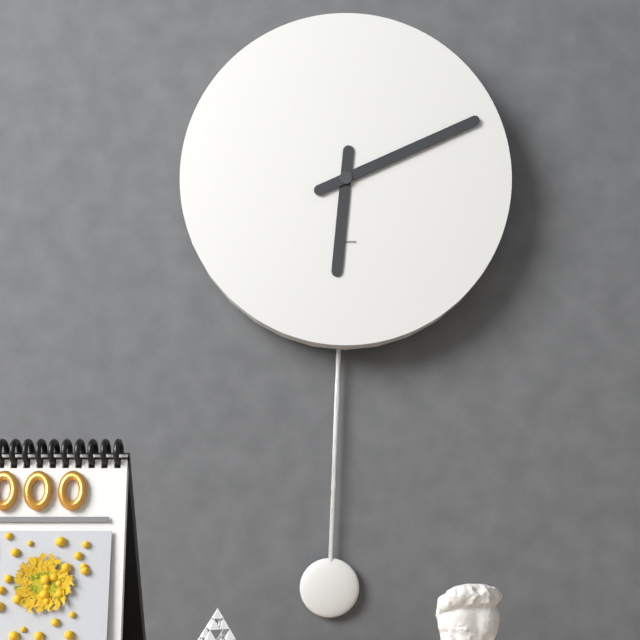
6:11
